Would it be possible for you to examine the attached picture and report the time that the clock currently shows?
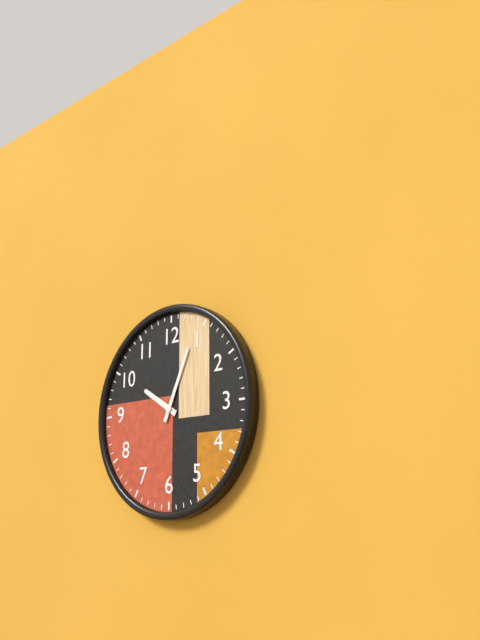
10:04
